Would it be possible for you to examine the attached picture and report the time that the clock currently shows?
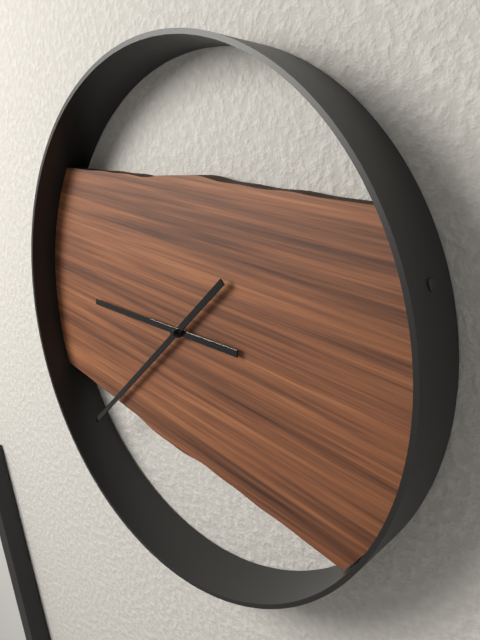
9:41
